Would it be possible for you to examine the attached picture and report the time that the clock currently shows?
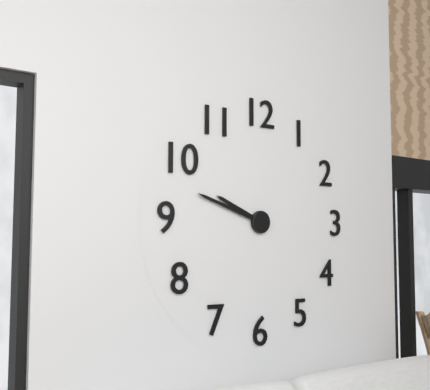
9:48
